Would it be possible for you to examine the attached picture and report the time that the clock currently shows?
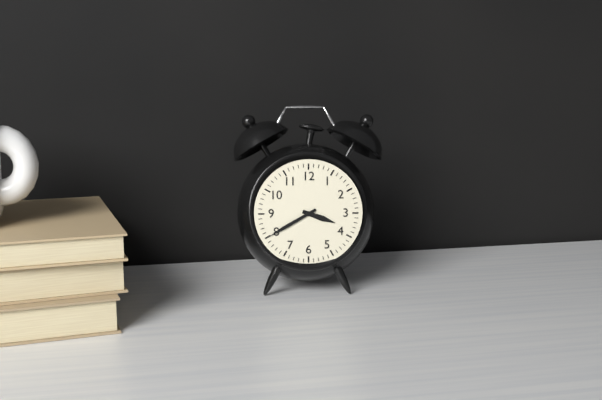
3:40
